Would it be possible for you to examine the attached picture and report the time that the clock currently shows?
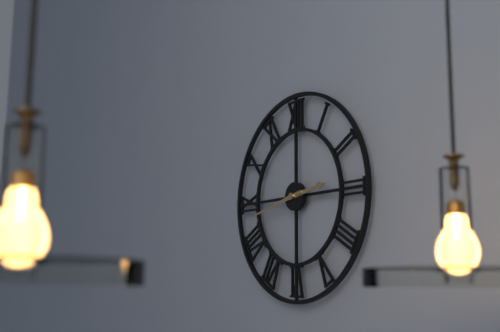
2:43
